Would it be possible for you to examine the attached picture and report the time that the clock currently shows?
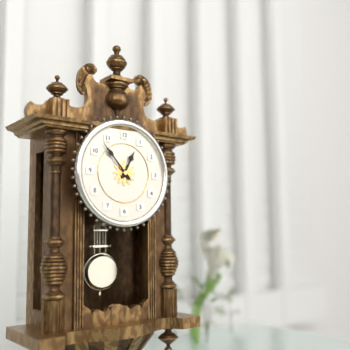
12:53
